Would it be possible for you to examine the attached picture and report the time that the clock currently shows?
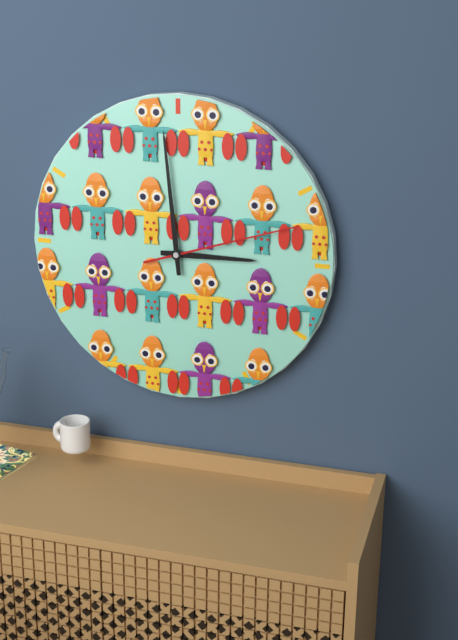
2:59:12
